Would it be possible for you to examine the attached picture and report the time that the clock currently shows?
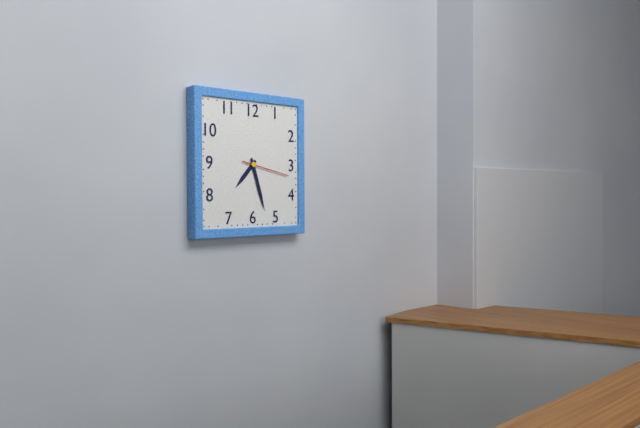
7:27
